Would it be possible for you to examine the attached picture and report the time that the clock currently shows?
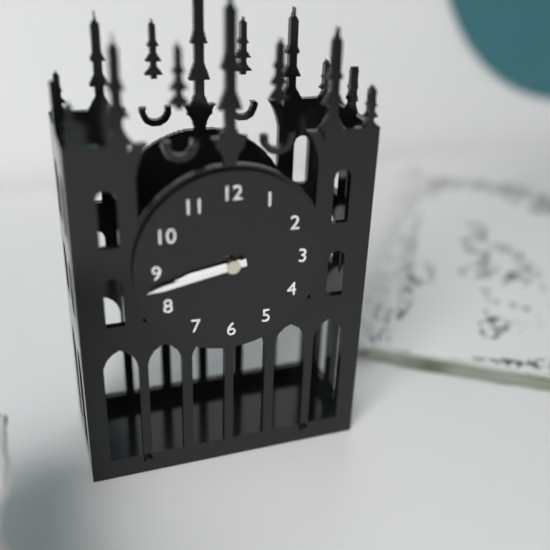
8:43
